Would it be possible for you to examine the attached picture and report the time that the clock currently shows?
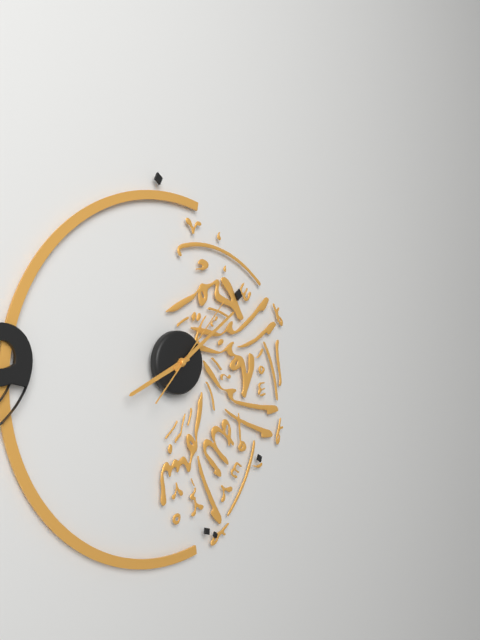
8:09:07
